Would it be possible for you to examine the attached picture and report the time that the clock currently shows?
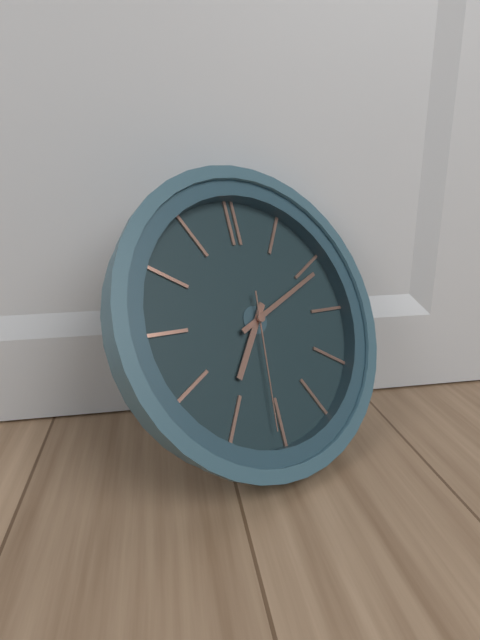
7:11:31
